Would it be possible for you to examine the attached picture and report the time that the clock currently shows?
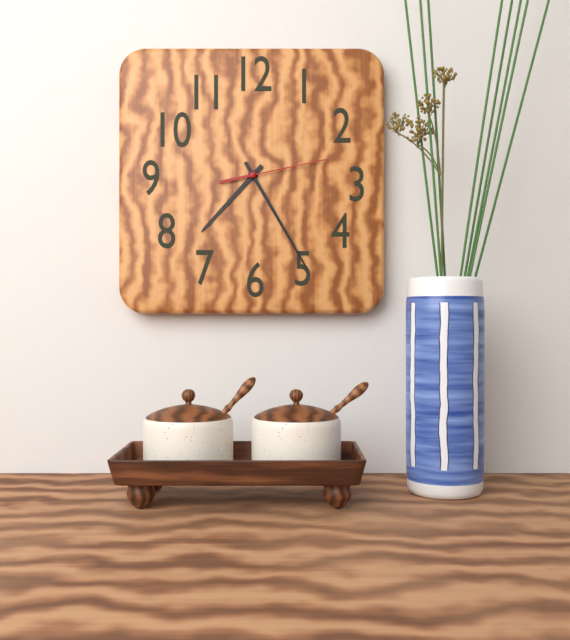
7:25:13
